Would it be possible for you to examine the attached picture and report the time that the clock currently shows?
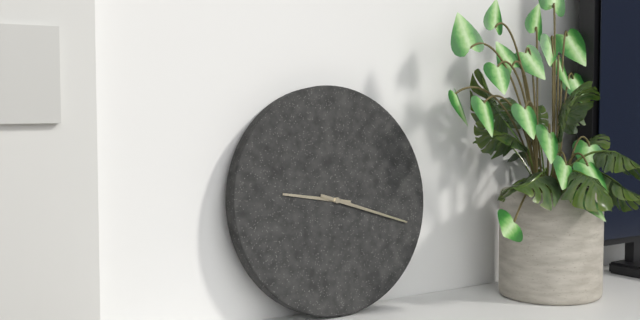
9:18
